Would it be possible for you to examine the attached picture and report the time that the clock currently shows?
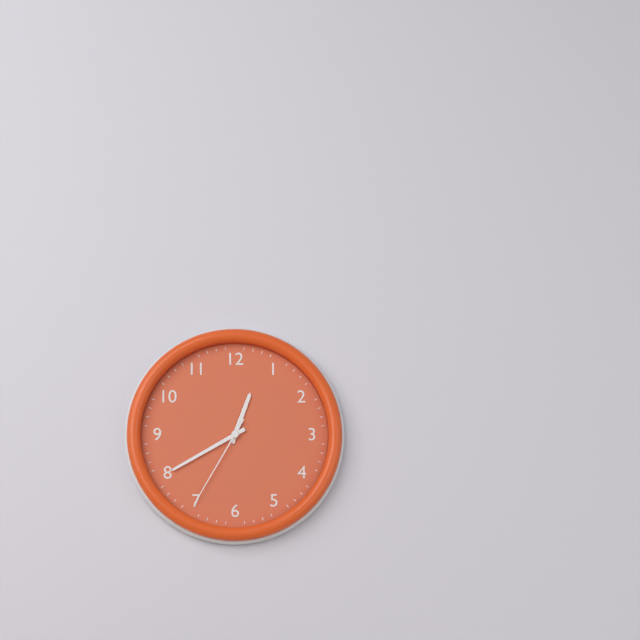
12:40:35
